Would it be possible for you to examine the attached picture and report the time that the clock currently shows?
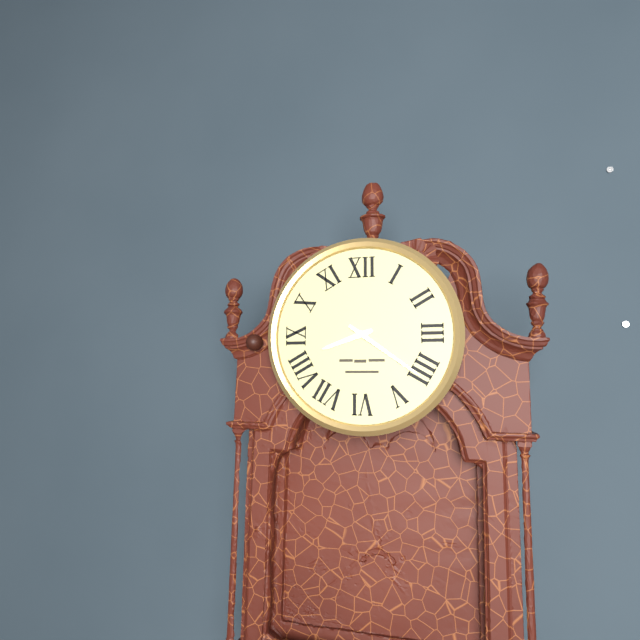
8:21
